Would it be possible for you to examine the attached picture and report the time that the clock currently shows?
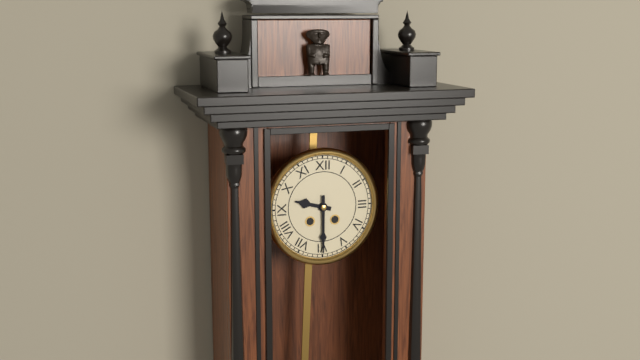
9:30
